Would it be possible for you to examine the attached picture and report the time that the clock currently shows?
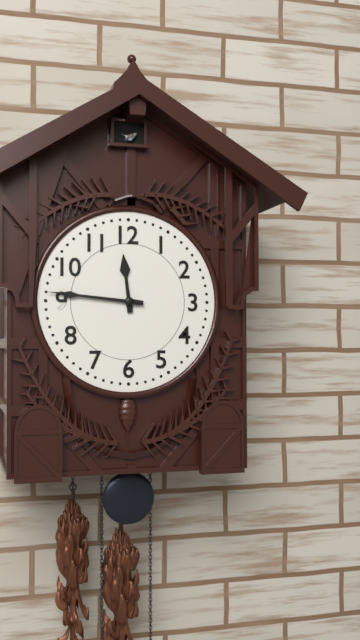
11:46
